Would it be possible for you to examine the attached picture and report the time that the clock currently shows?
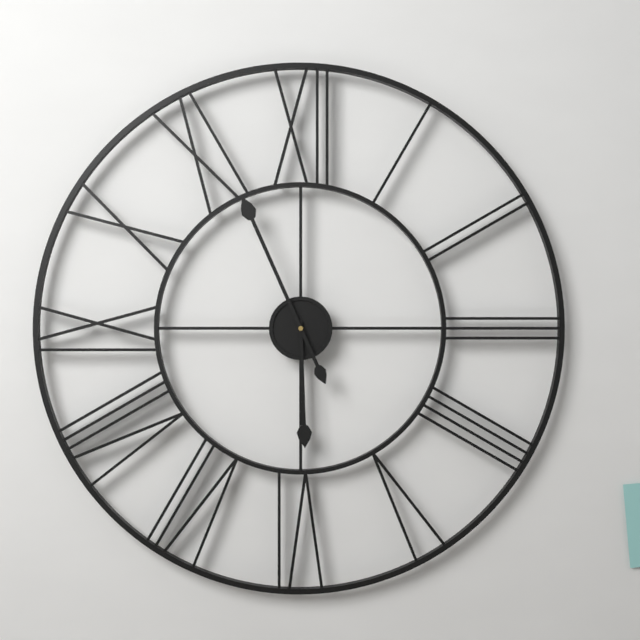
5:56
